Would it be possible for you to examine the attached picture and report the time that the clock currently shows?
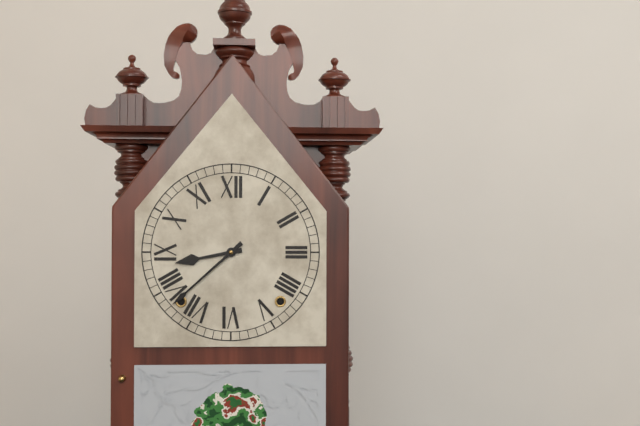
8:38
